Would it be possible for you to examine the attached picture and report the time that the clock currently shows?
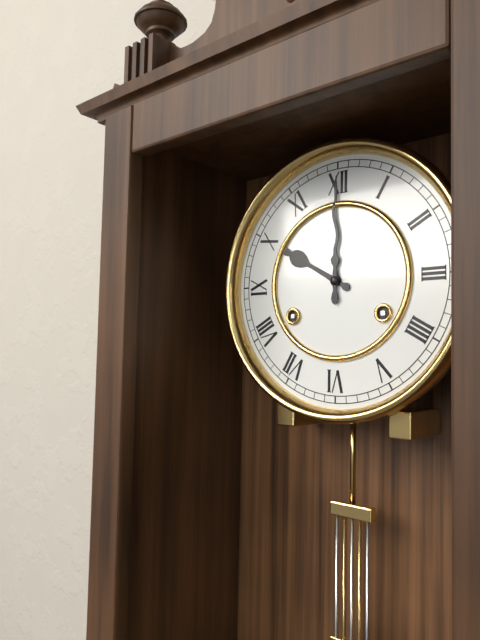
10:00
